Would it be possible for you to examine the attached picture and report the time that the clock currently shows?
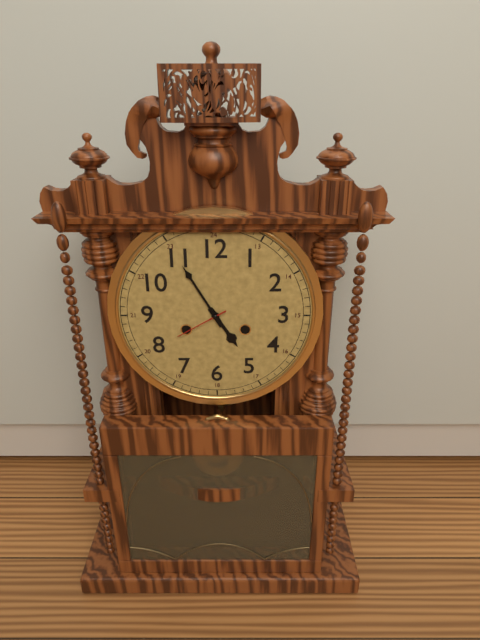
4:55:40
